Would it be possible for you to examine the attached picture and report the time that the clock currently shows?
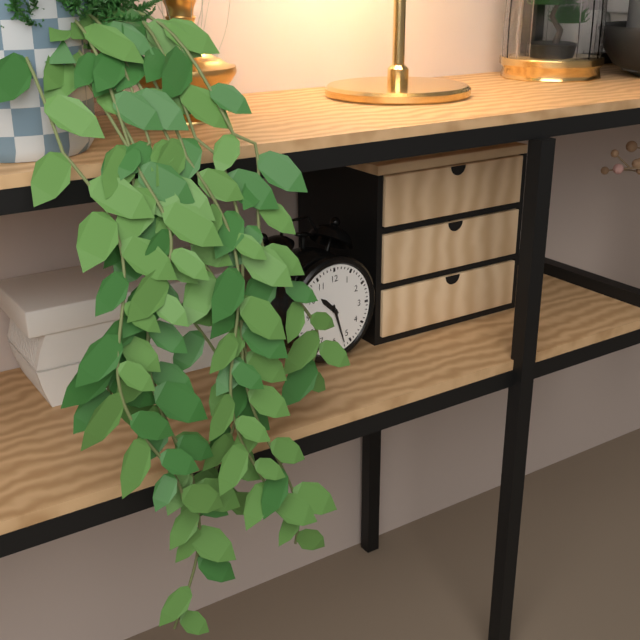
10:27
